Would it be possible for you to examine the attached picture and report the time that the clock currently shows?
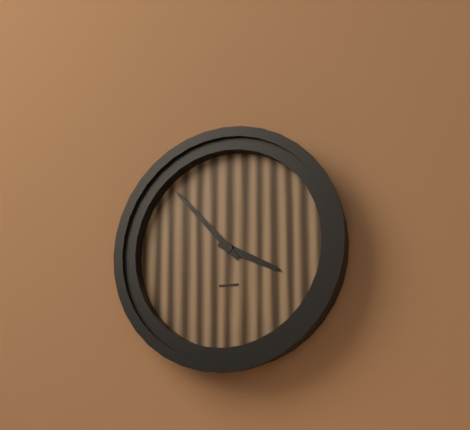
3:53
